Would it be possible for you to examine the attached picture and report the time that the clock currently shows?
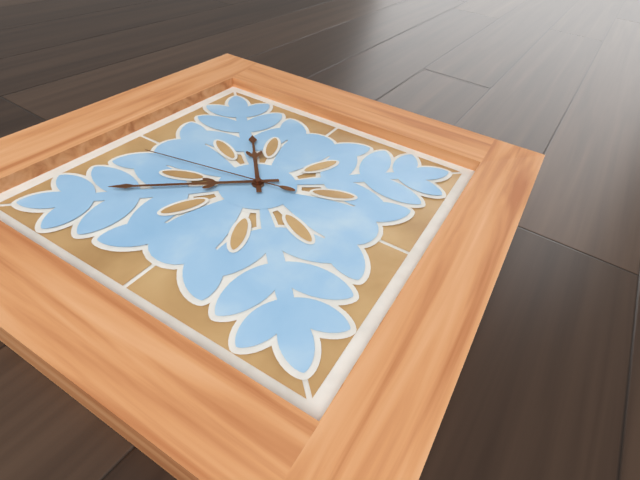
10:38:43
